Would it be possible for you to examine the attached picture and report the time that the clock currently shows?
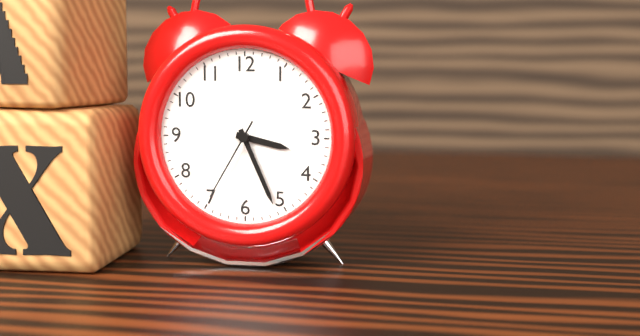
3:26:35
